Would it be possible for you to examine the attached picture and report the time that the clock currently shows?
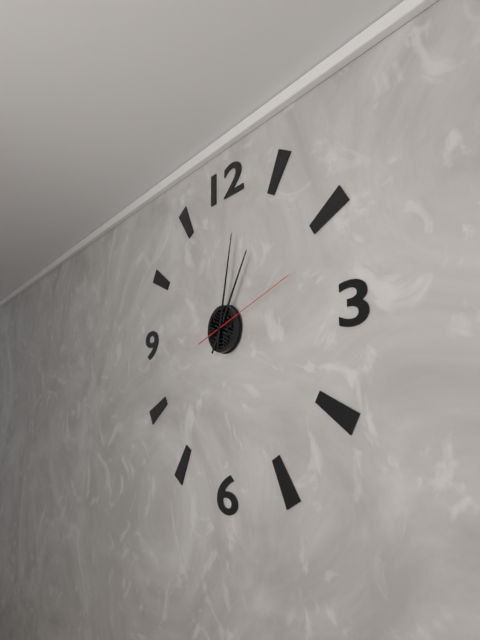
1:02:12
